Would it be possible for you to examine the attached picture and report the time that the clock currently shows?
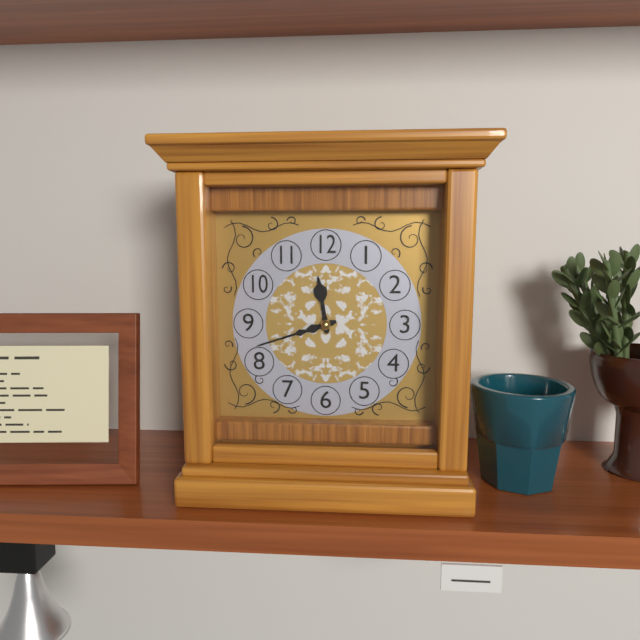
11:42
